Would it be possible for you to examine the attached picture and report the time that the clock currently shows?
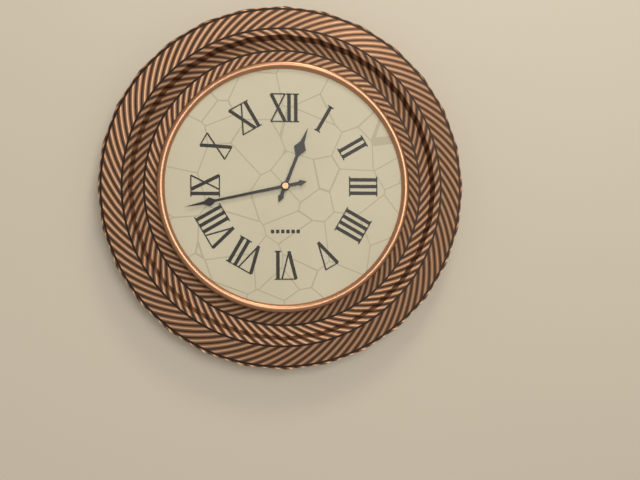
12:43
